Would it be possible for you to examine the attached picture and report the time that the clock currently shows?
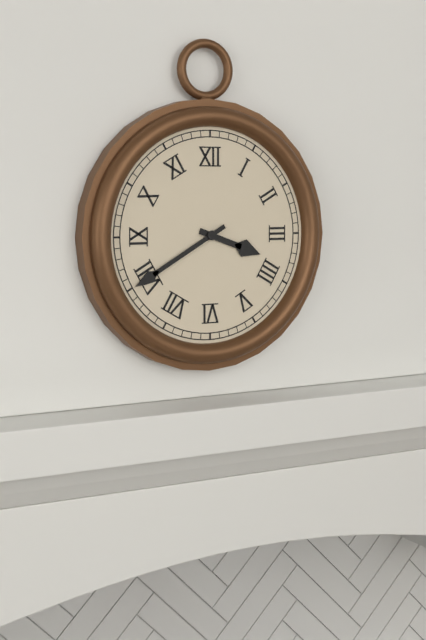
3:40
